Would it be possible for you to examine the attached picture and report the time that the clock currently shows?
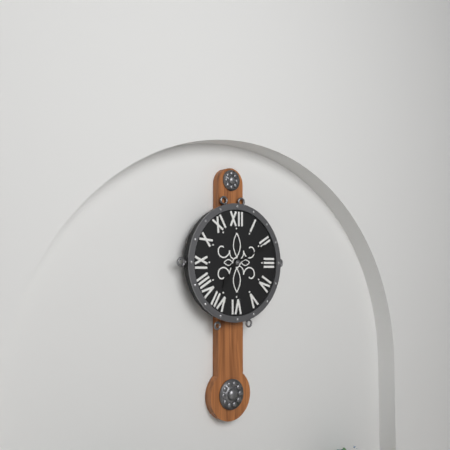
7:11
